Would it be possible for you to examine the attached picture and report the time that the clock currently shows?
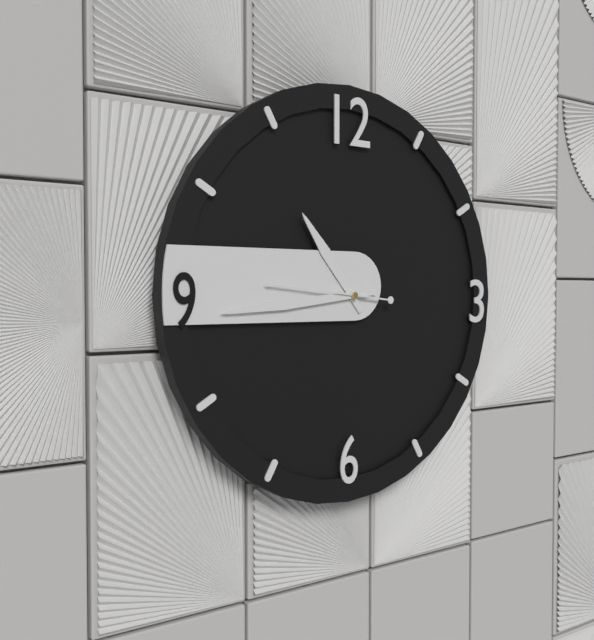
10:44:46
